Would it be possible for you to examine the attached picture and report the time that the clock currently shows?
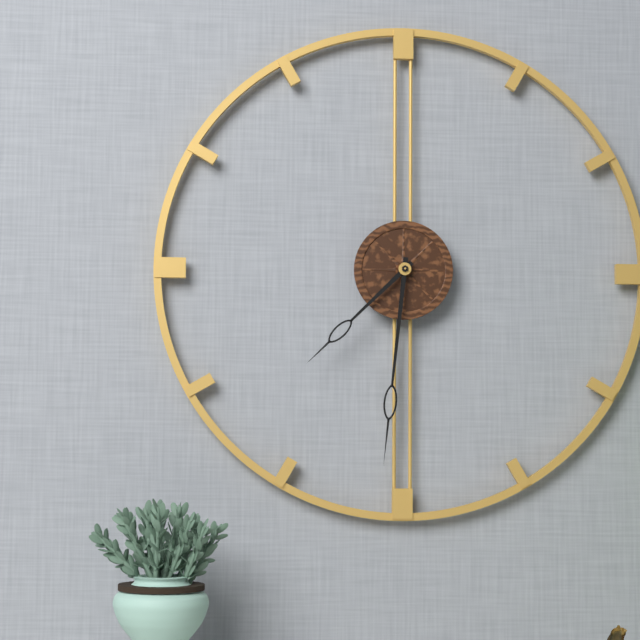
7:31
